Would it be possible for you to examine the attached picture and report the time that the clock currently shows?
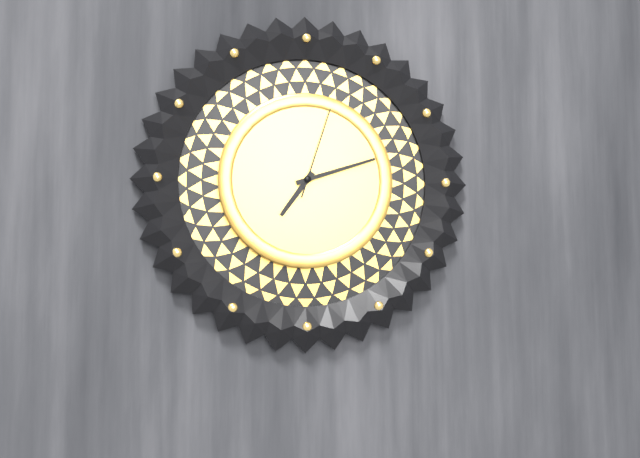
7:12:03
